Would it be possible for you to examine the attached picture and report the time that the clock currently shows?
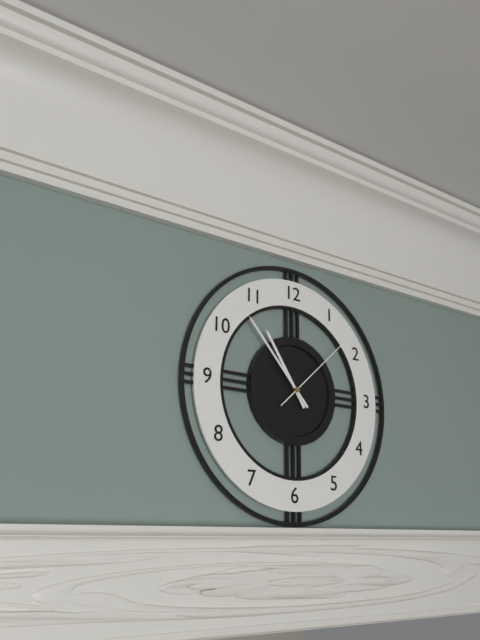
10:53:08
